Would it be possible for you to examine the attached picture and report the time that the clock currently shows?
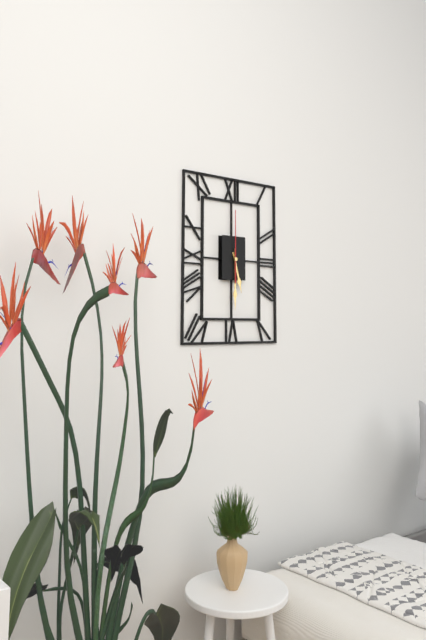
5:30:00
